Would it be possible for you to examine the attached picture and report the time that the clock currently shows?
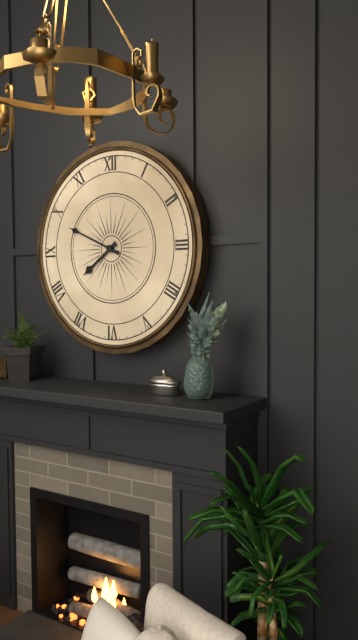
7:49
